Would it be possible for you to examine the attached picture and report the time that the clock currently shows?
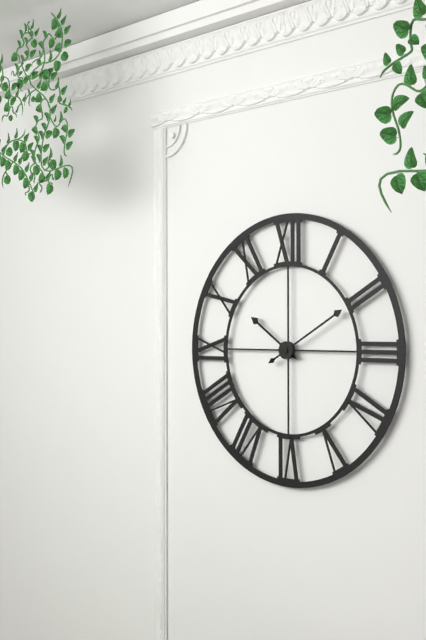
10:10
